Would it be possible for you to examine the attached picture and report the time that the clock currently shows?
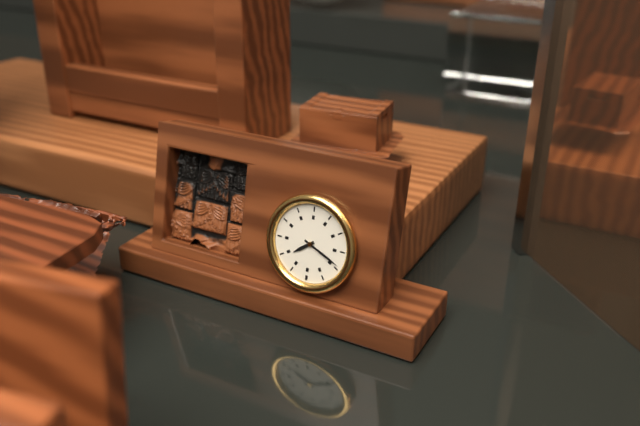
1:49
